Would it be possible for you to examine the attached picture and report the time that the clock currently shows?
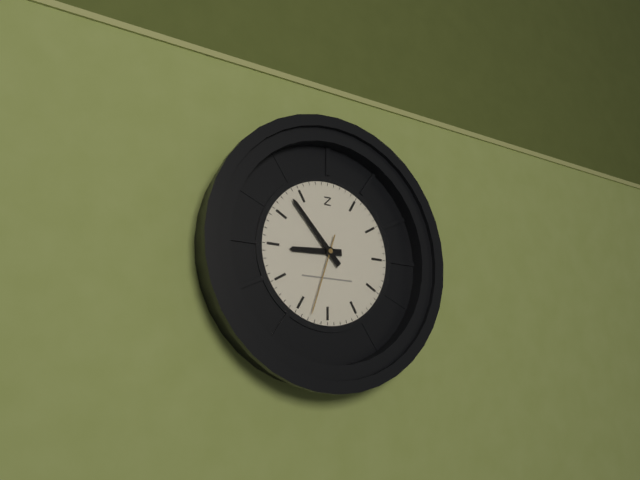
8:53:33
